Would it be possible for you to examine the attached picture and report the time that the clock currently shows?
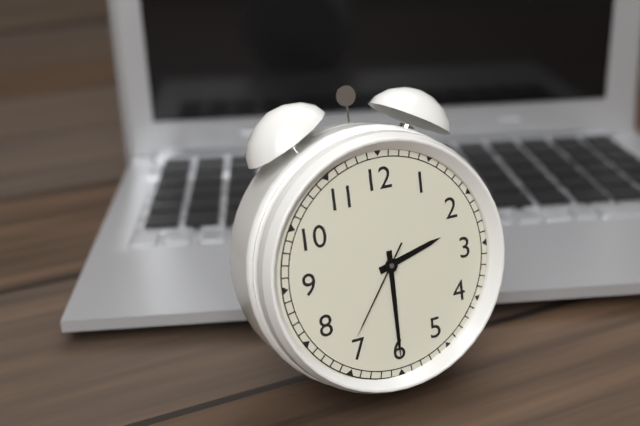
2:30:36
